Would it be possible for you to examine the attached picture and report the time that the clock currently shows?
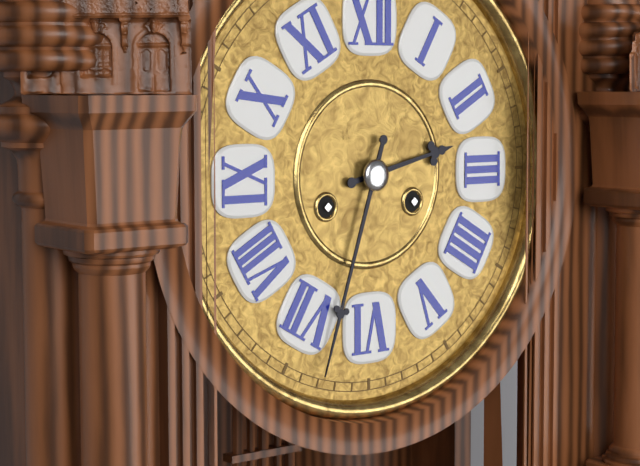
2:33
